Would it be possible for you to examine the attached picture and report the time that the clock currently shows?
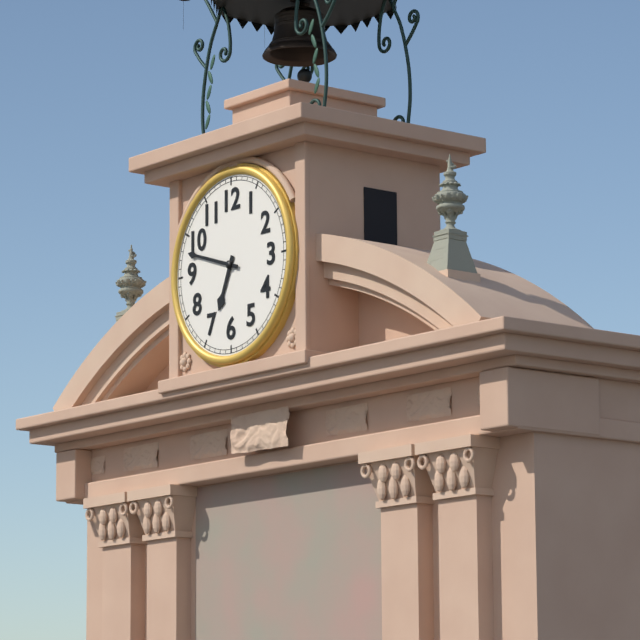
6:48
